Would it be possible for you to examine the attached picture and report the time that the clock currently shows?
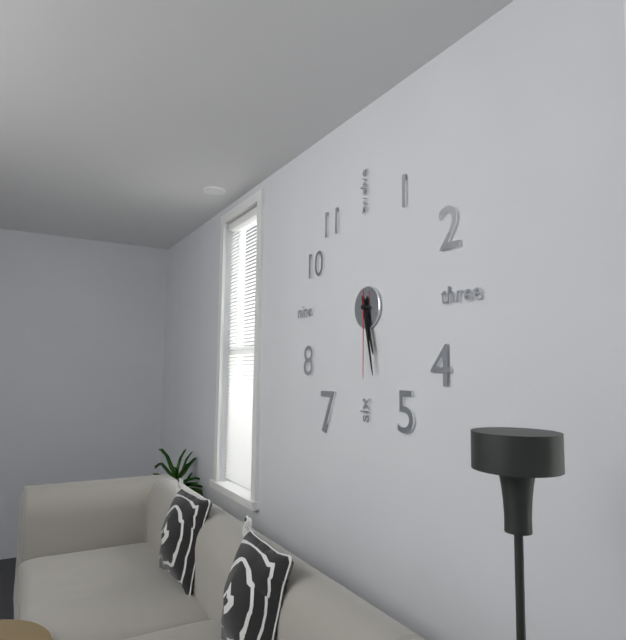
5:28:30
